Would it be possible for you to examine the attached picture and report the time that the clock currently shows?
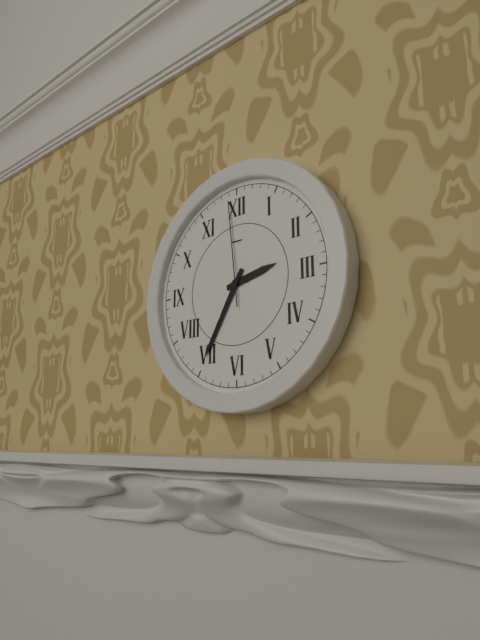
2:35:59
